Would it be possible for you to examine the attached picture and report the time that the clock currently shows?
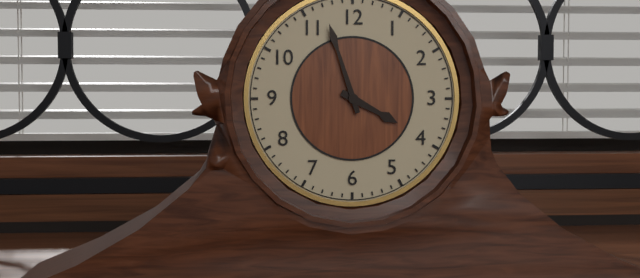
3:57
